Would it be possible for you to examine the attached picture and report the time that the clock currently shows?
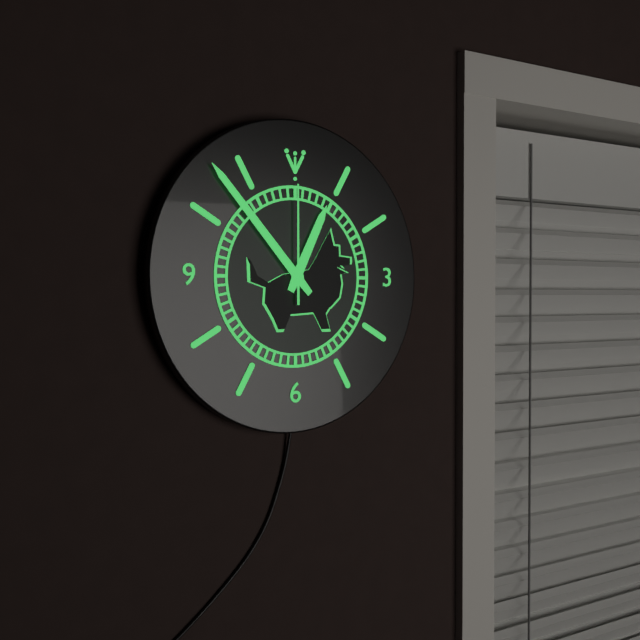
12:53:00
